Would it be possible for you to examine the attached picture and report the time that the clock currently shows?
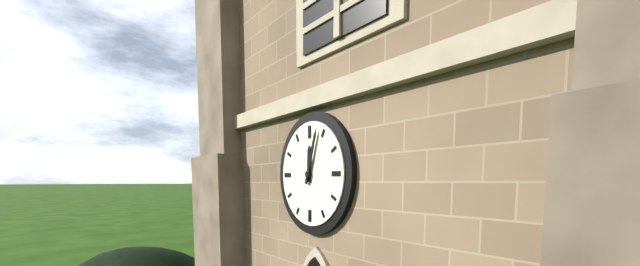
12:03
